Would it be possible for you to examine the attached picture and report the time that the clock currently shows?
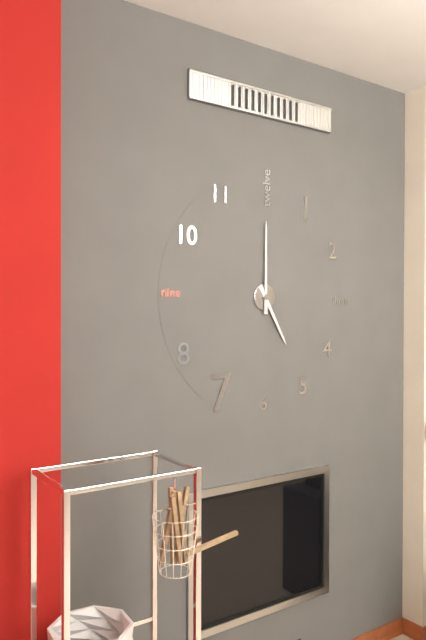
5:00
